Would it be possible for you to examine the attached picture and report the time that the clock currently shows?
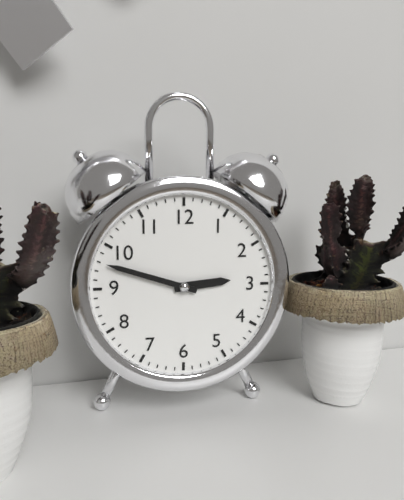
2:48
